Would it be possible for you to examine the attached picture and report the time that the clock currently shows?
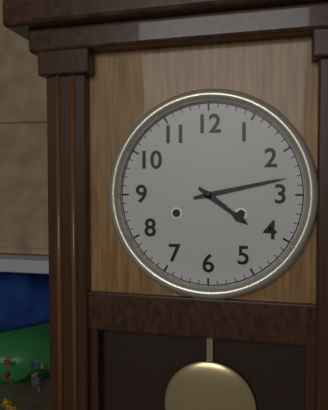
4:13
